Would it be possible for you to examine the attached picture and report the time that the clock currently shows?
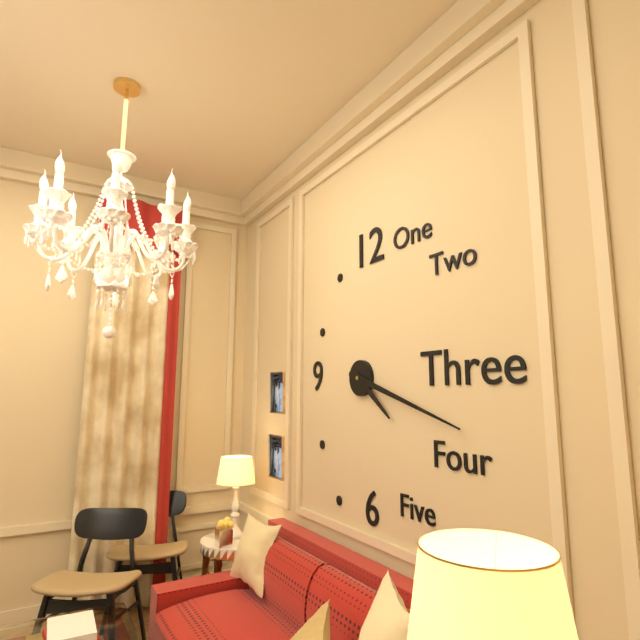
4:18
